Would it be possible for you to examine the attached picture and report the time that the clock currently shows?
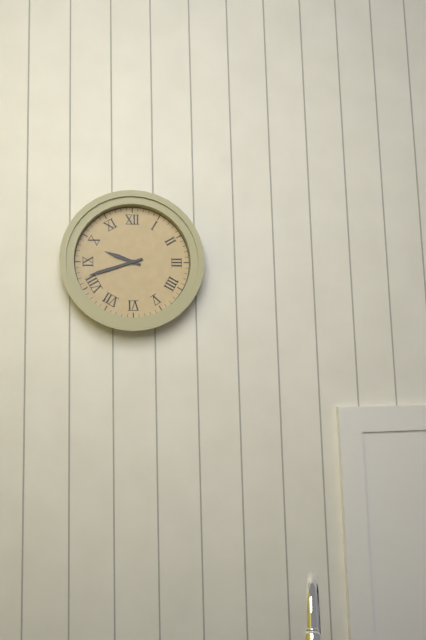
9:42
